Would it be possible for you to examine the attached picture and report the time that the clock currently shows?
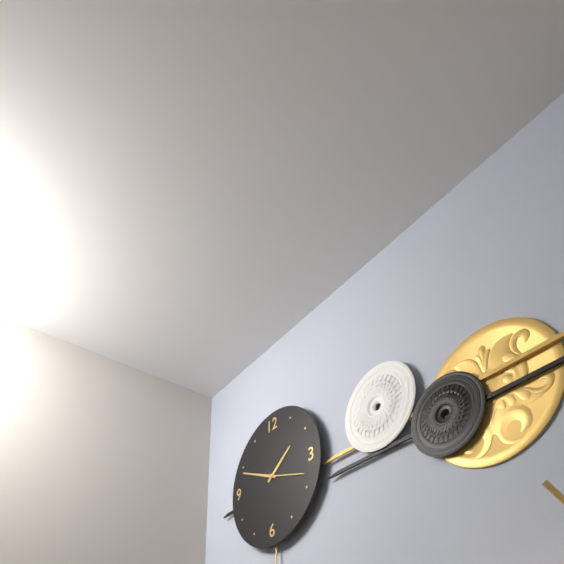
1:49
